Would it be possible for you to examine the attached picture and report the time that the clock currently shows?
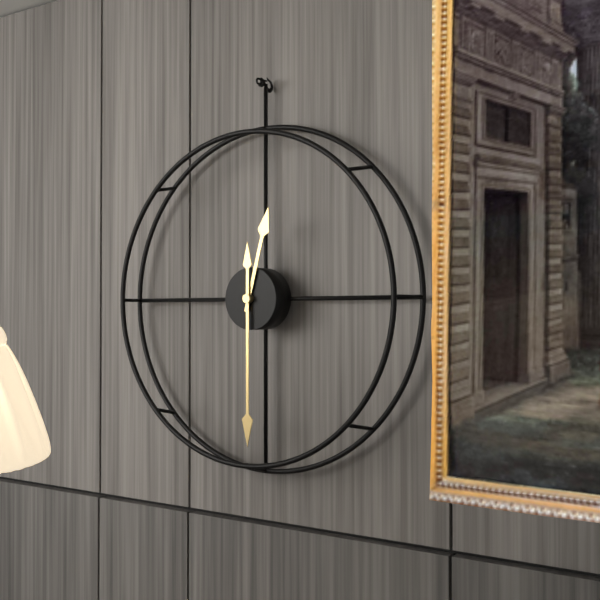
12:30
